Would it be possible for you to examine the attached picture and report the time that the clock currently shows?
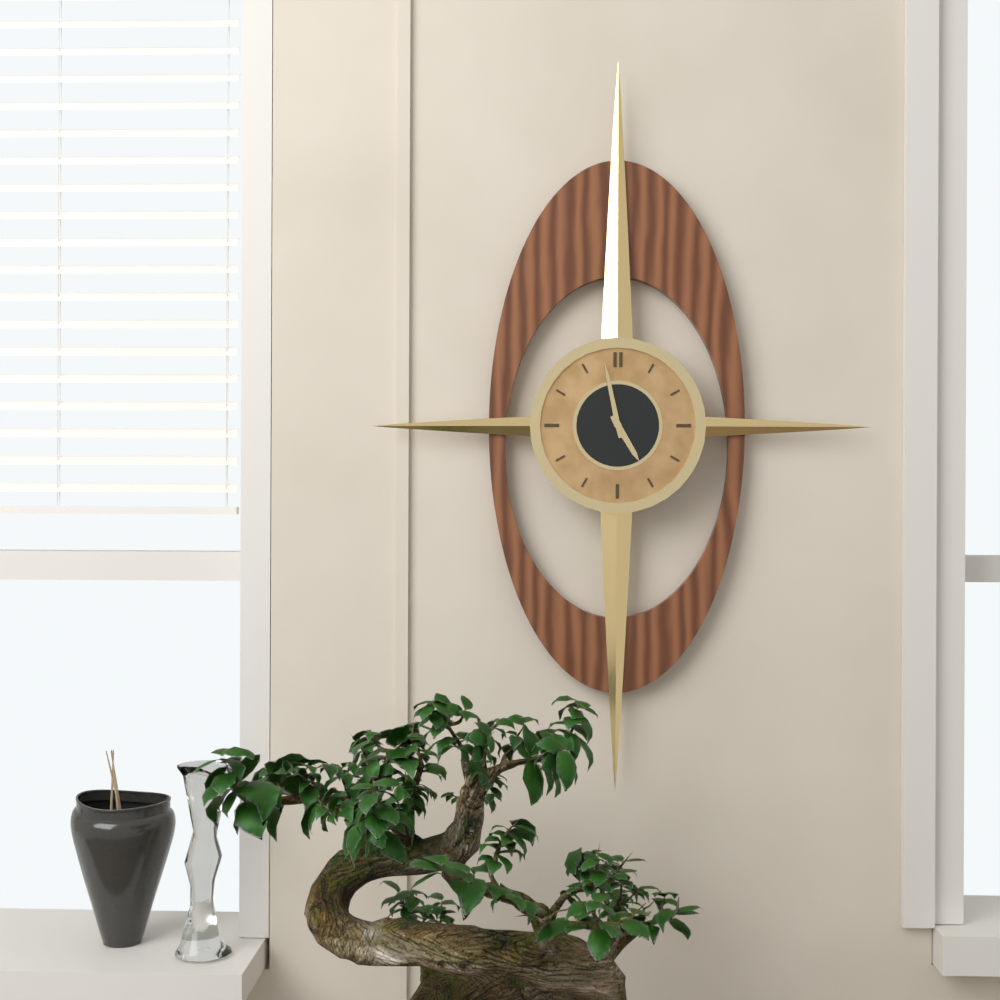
4:58
